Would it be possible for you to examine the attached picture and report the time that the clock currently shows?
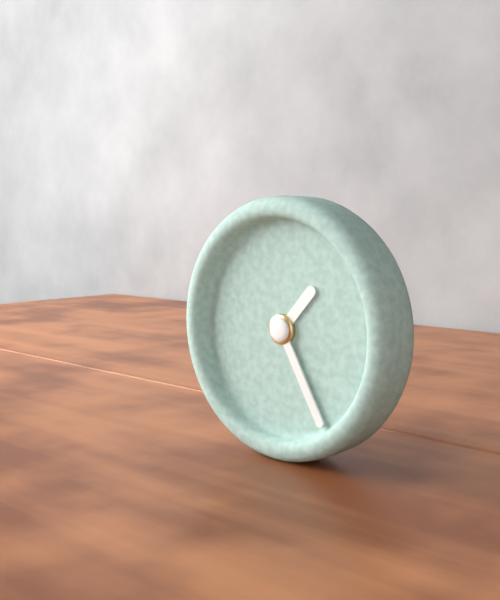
1:25
